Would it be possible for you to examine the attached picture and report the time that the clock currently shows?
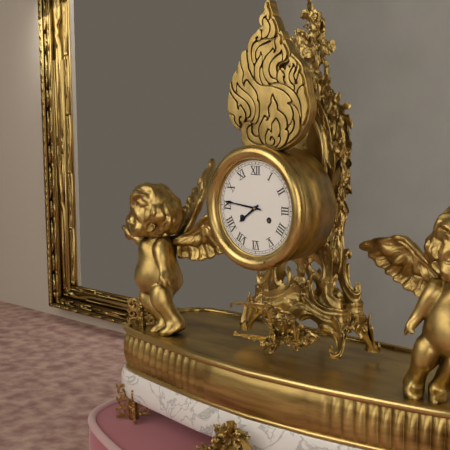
7:46
